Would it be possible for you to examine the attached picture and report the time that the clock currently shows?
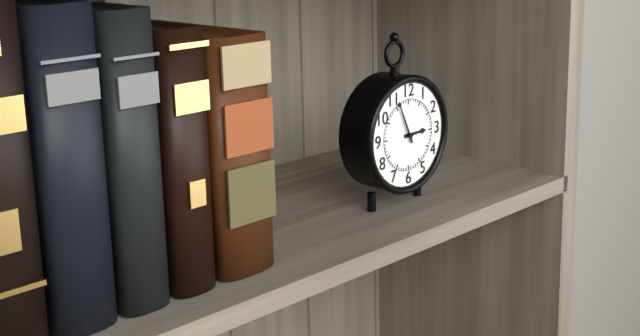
2:56
